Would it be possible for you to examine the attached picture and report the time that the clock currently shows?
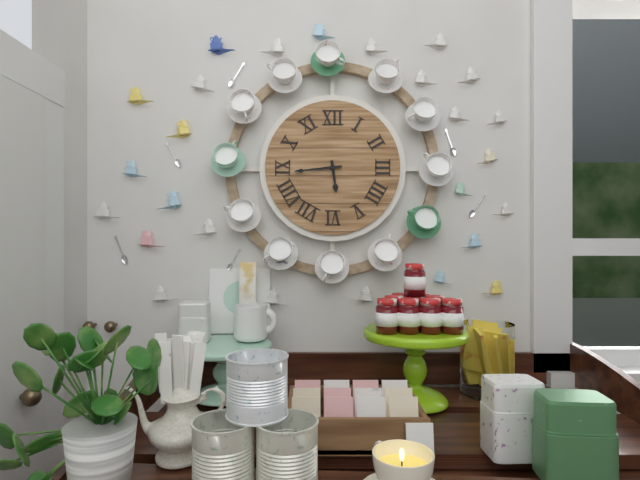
5:44
